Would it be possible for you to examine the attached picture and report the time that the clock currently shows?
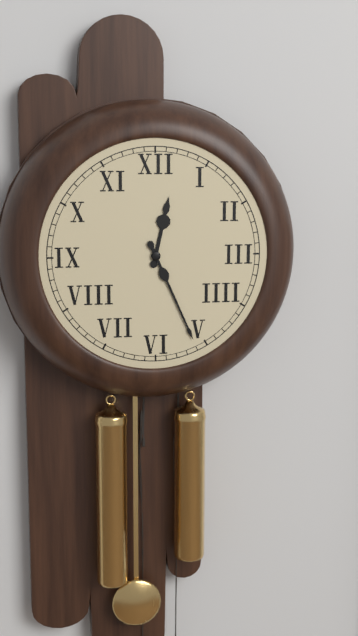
12:26
